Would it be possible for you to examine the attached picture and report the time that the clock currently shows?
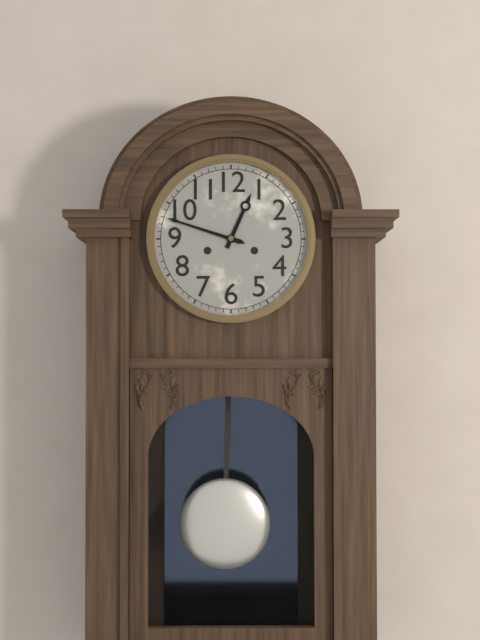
12:48
